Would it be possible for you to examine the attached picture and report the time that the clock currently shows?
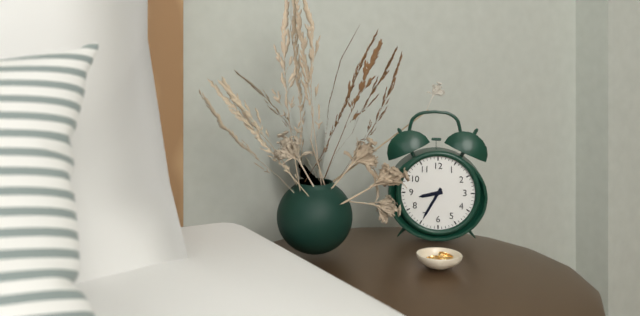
8:35
